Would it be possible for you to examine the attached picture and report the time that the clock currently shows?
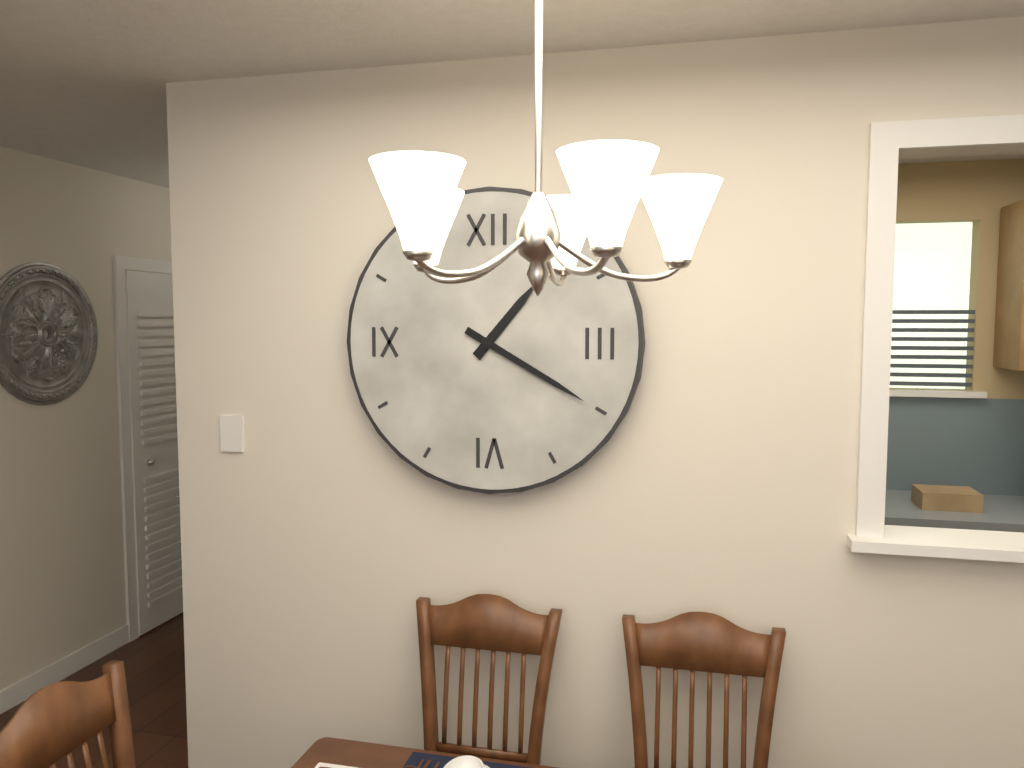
1:20
